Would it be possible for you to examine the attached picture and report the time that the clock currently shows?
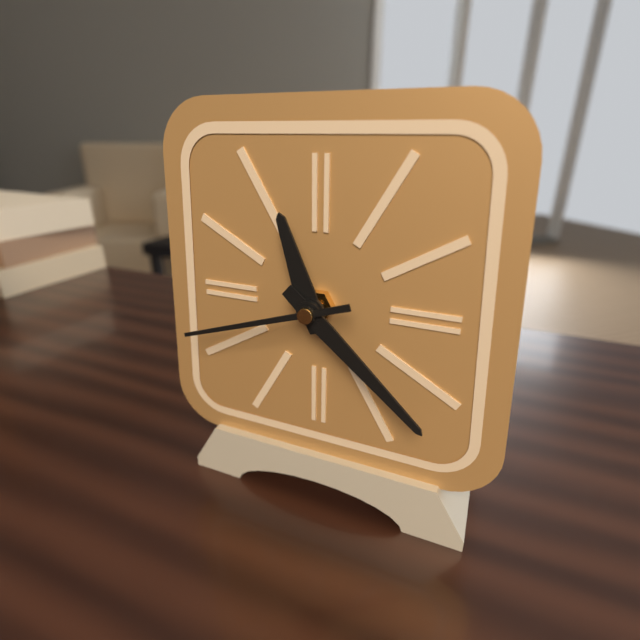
11:22:42
